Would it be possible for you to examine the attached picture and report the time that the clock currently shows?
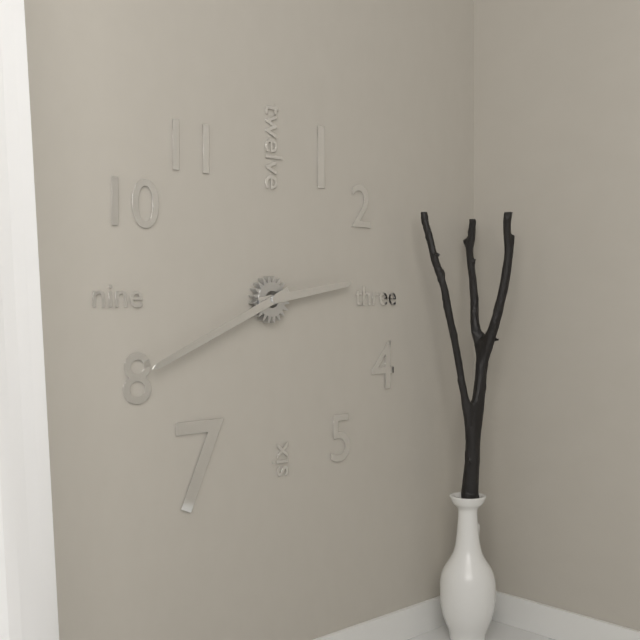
2:41
